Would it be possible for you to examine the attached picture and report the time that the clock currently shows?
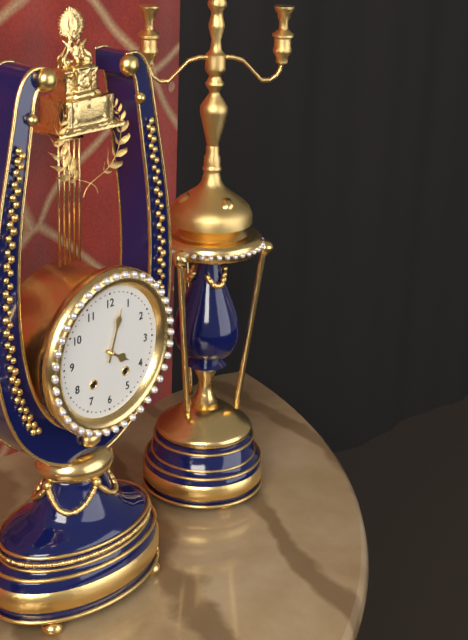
4:03
